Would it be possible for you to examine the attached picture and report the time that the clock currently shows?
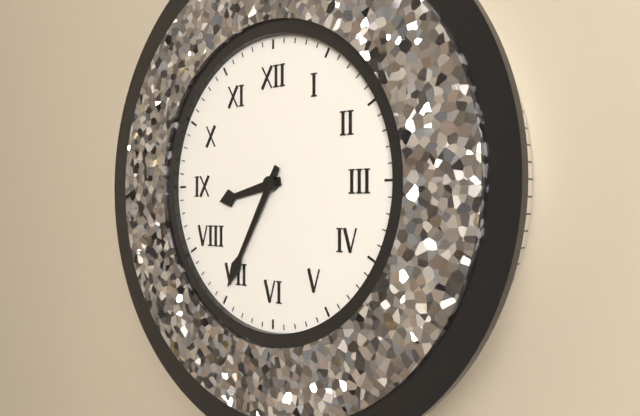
8:35
